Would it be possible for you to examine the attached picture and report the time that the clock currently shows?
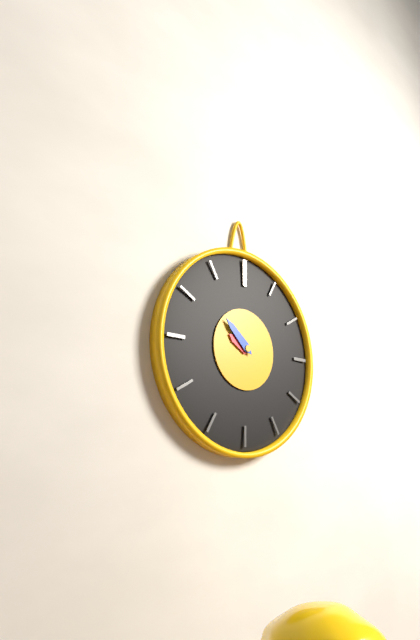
9:52
